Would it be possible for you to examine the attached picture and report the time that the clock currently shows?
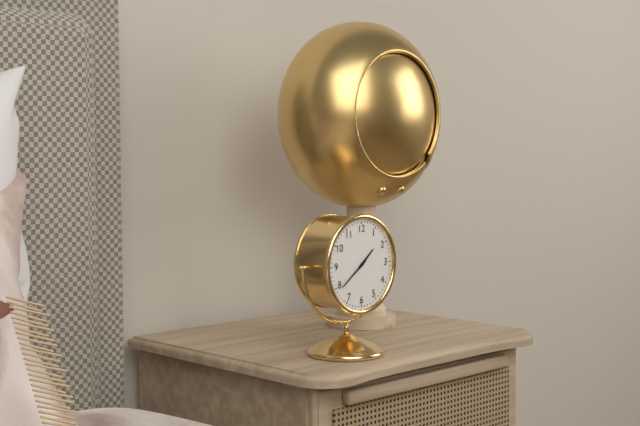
1:39
